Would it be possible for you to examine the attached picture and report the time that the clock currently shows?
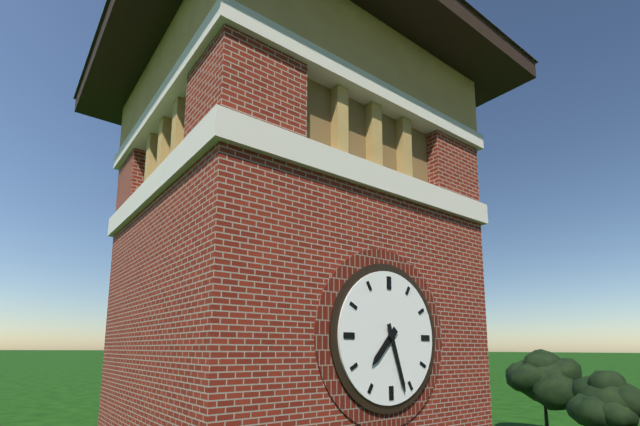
7:27
